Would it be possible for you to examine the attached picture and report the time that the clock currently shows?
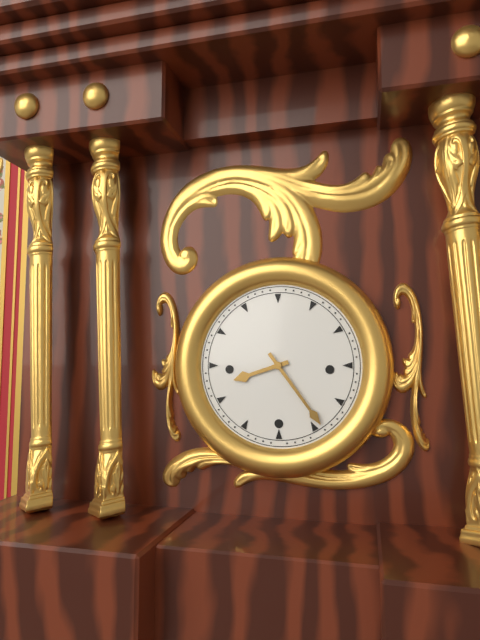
8:24
